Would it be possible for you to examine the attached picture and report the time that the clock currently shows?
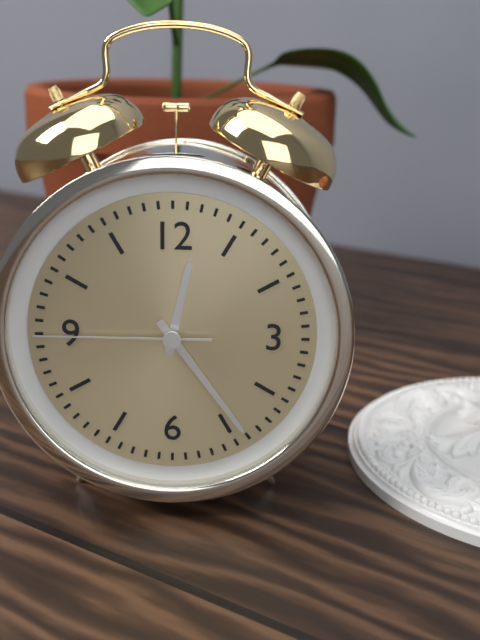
12:24:45
